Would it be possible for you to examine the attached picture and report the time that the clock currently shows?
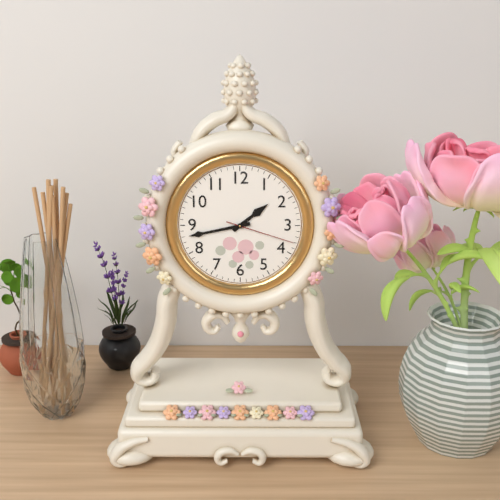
1:43:18
